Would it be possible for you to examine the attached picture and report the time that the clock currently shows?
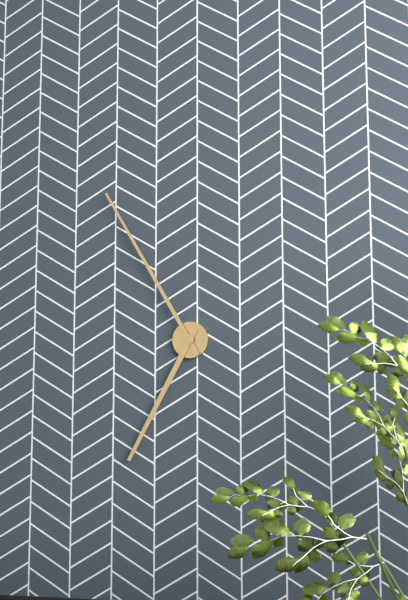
6:55
